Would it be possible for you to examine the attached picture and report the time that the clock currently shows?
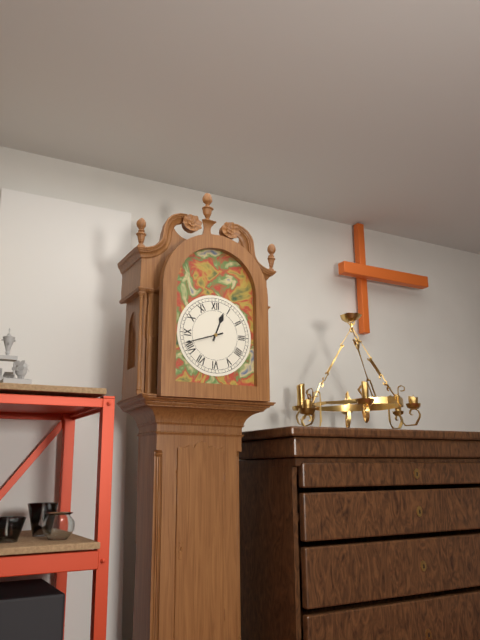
12:42
